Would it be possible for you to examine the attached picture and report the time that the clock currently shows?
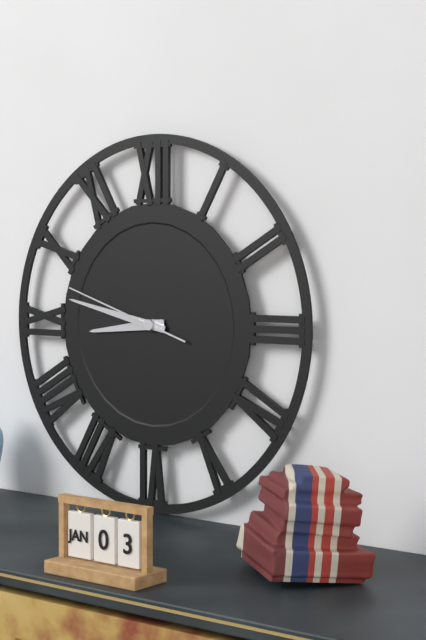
8:47:48
